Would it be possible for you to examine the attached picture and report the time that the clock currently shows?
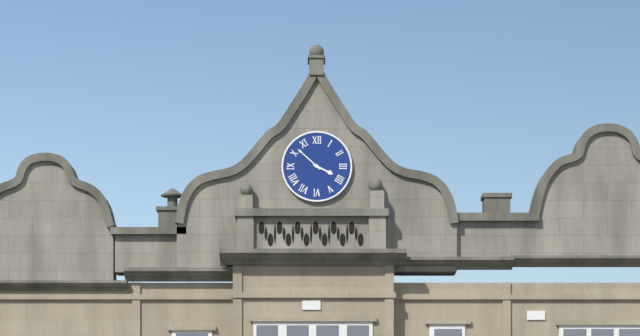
3:52
